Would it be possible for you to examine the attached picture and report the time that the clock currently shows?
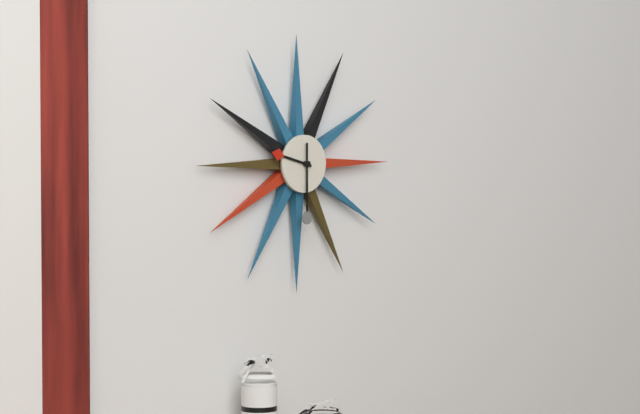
9:30
